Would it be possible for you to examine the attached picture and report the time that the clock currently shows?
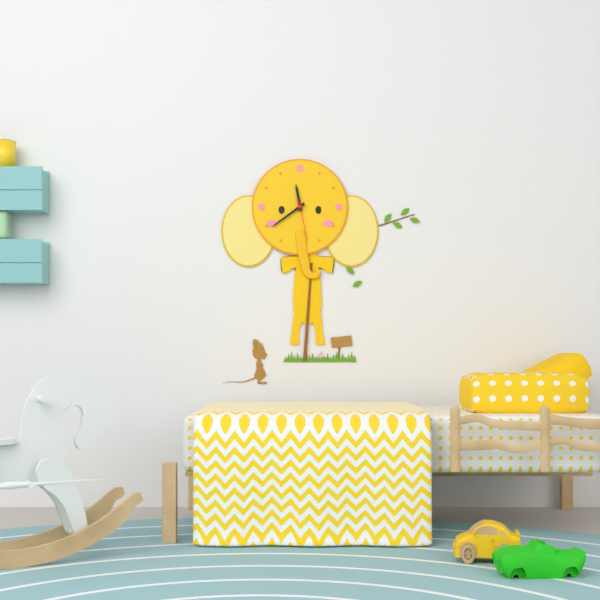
11:39
